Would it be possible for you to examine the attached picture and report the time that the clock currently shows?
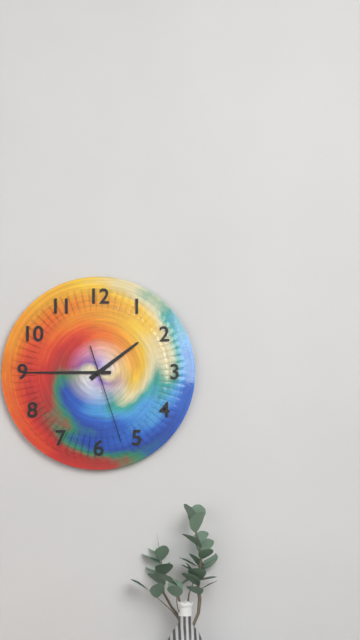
1:45:27
